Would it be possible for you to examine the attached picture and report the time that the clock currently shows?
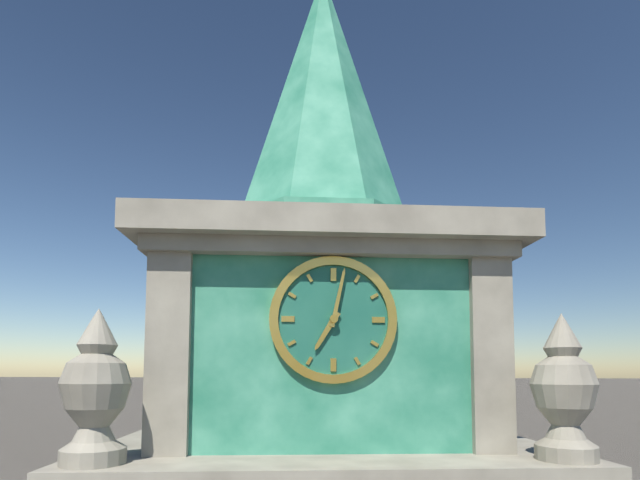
7:02
